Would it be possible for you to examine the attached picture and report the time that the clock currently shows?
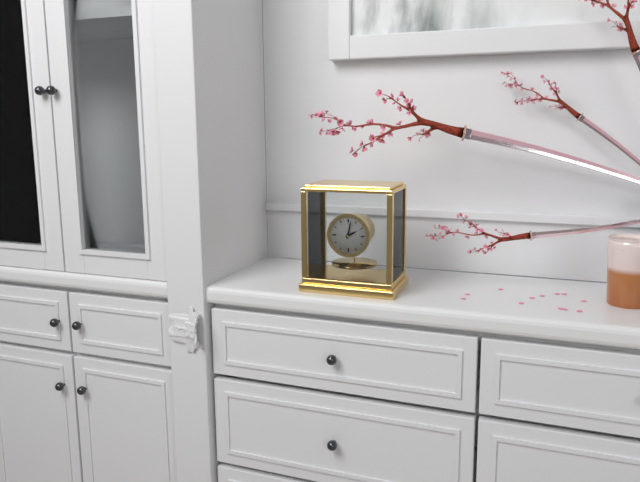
2:02
